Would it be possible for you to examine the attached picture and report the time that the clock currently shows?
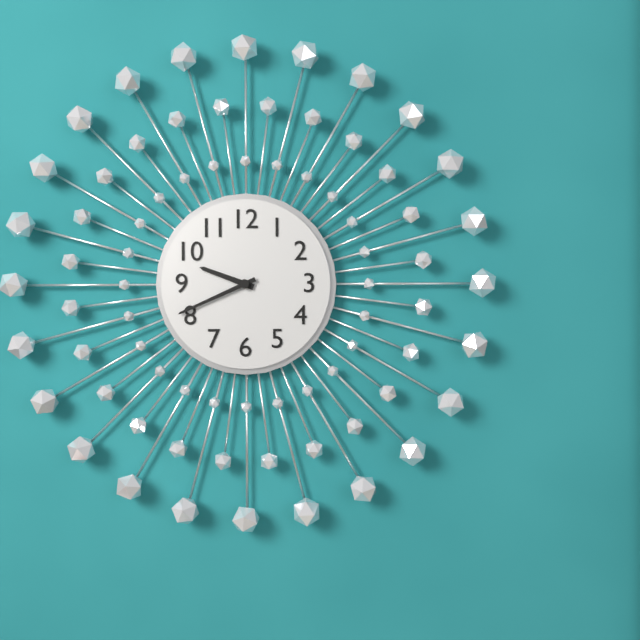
9:41
